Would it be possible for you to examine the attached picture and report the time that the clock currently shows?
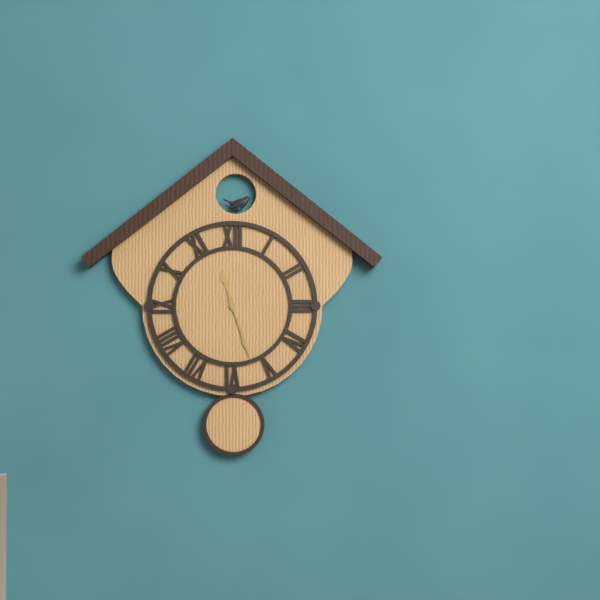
11:27
